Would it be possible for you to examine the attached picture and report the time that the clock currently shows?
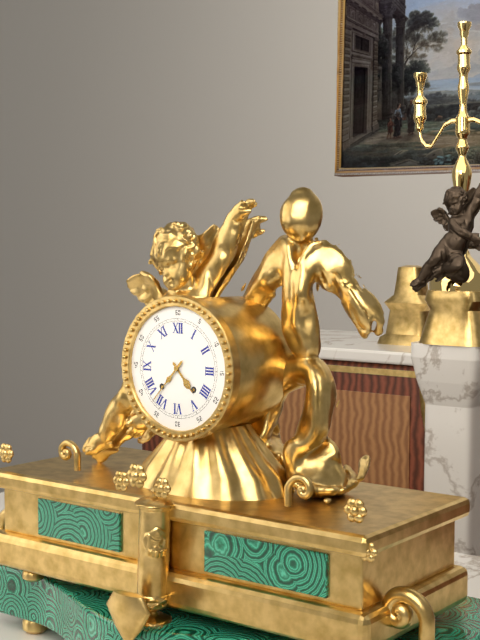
4:37
